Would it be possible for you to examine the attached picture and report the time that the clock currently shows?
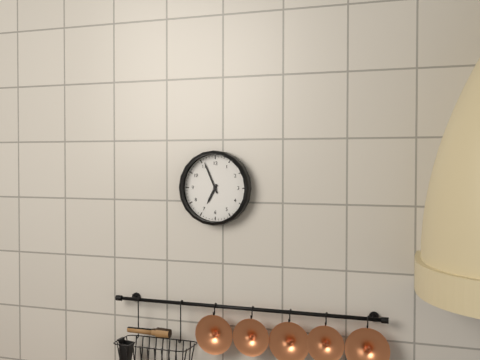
6:56
